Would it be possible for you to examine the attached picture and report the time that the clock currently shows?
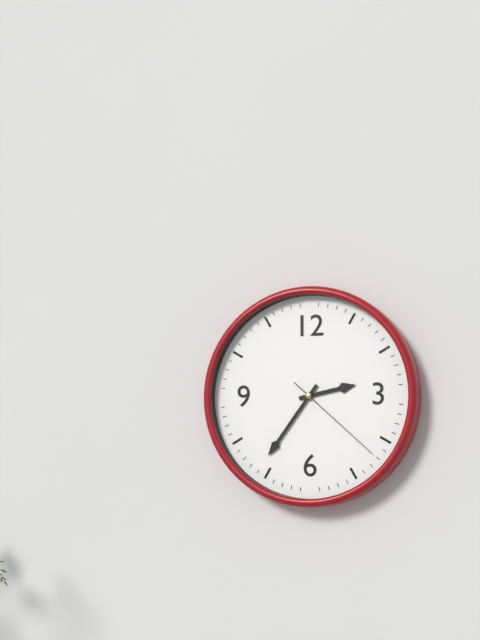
2:36:22
